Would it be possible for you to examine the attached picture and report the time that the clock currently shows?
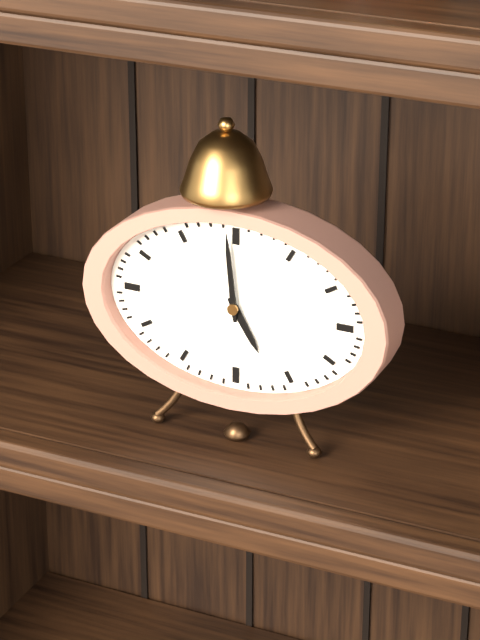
4:59
